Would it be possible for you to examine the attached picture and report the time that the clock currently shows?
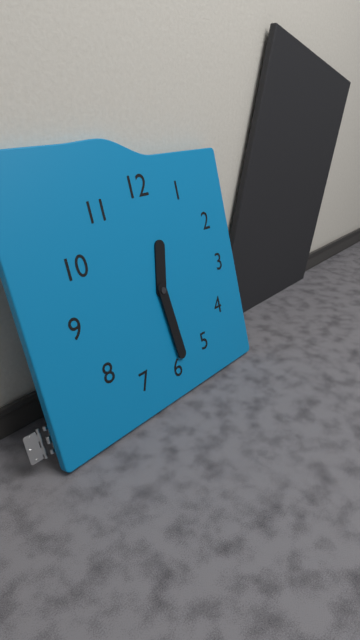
12:29
